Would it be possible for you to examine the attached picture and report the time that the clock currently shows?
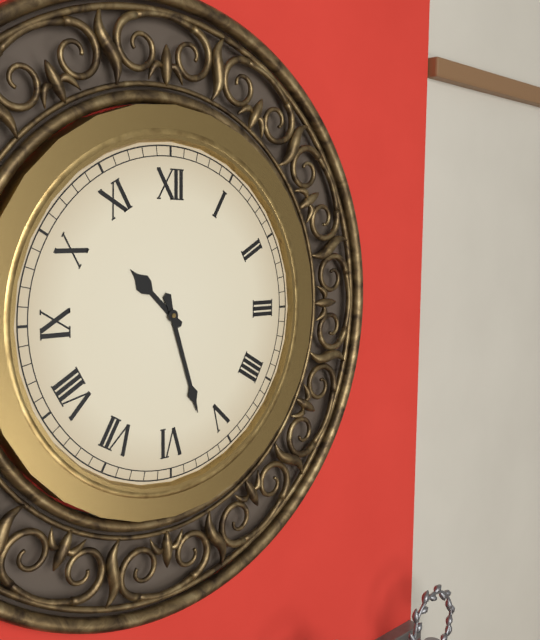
10:27
